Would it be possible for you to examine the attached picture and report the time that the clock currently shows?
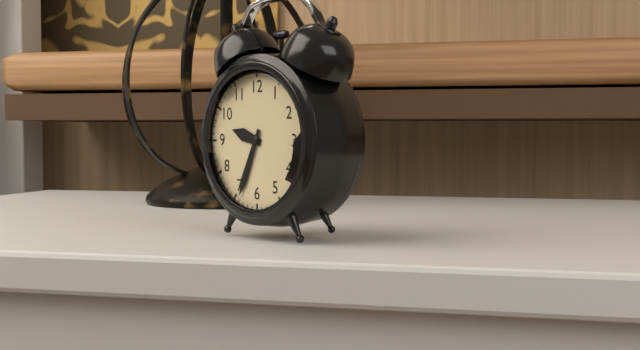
9:34
